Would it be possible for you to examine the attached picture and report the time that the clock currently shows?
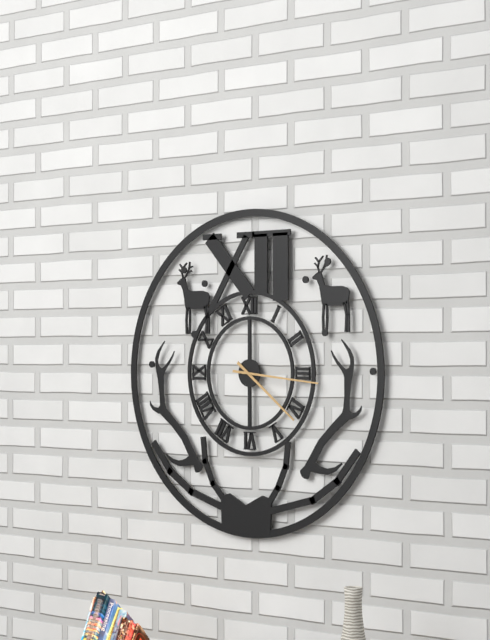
4:16
